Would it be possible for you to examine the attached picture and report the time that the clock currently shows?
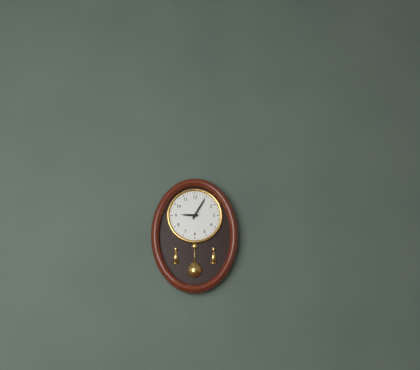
9:05
